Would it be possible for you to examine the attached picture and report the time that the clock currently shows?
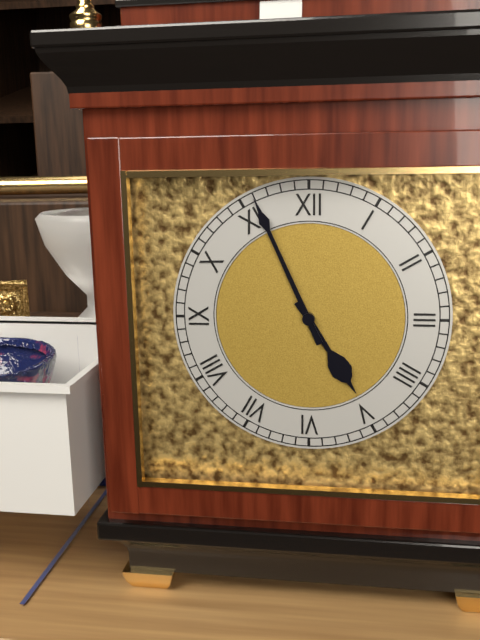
4:56
